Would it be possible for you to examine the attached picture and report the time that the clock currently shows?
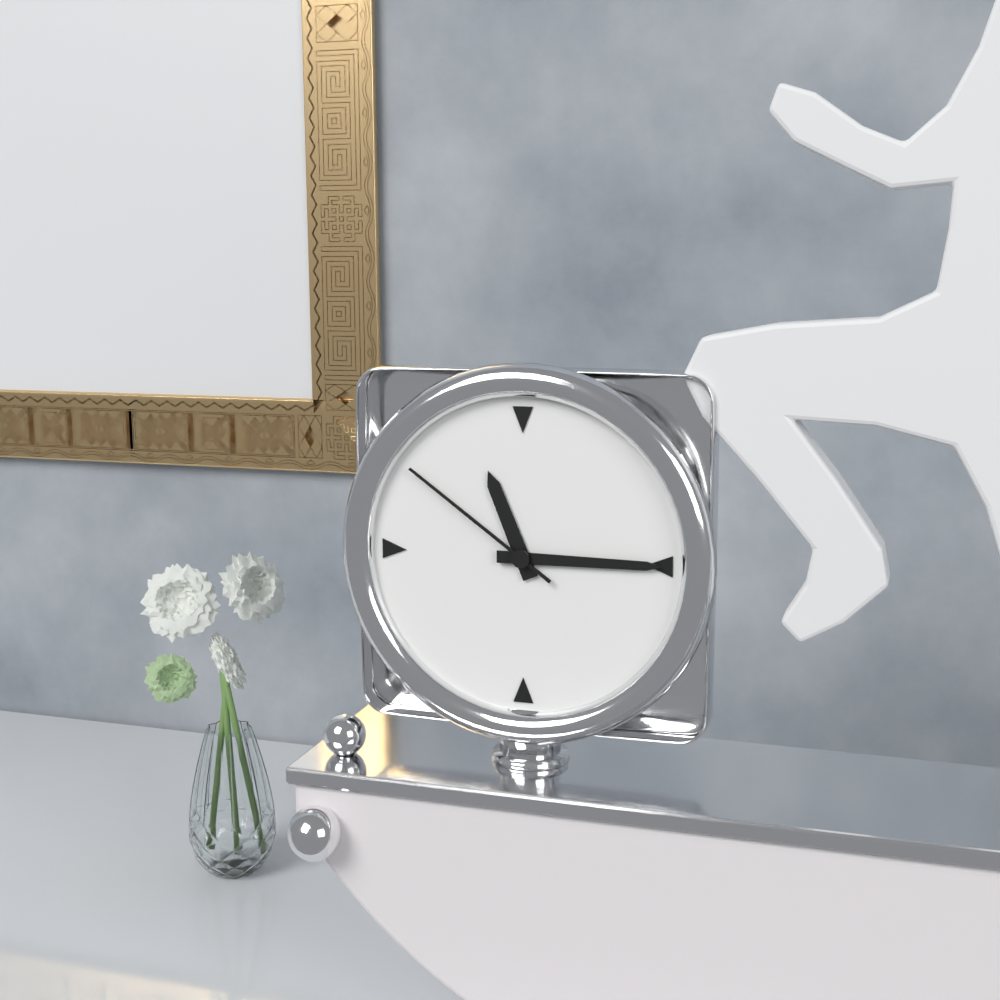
11:15:51
